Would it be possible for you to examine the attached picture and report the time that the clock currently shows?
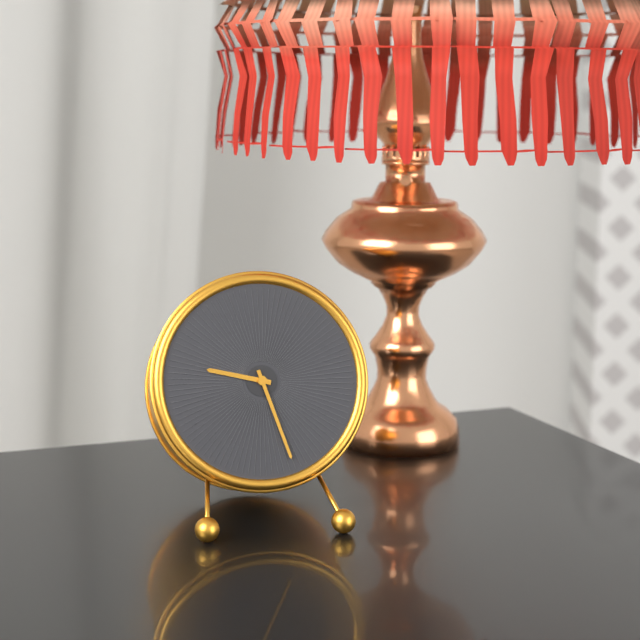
9:27
